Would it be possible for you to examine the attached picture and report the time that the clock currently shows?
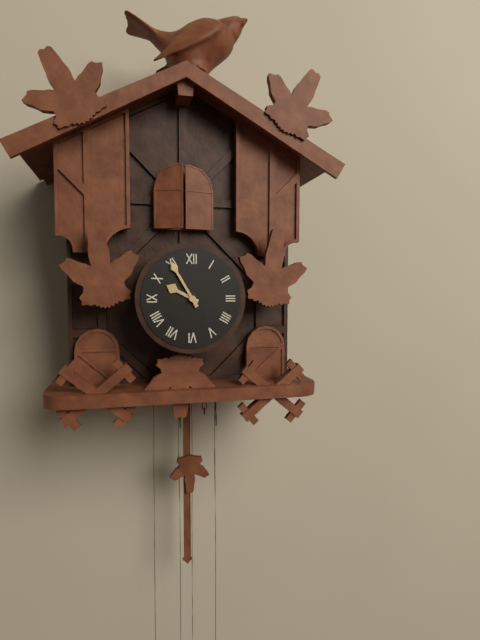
9:55
